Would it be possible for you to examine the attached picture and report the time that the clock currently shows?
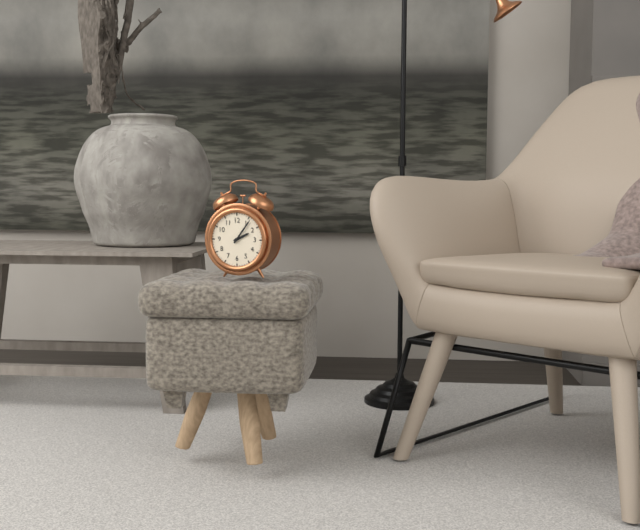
2:06
